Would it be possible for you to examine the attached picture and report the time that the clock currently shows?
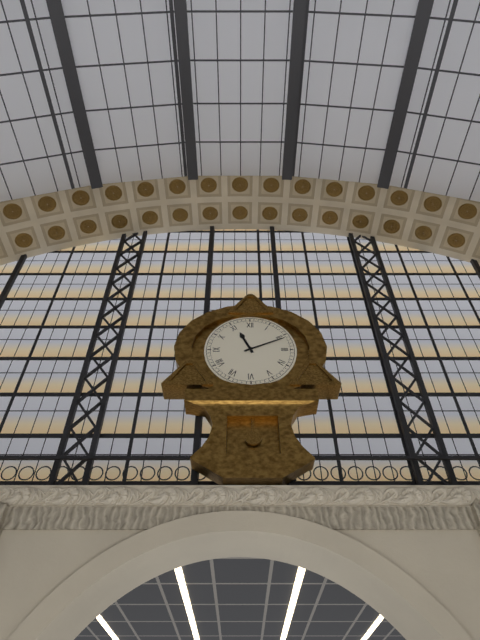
11:11
